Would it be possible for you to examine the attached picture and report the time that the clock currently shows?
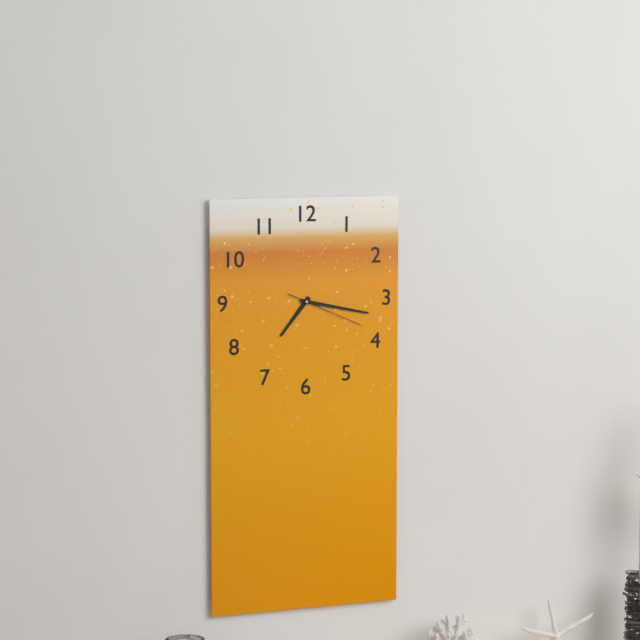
7:17:19
